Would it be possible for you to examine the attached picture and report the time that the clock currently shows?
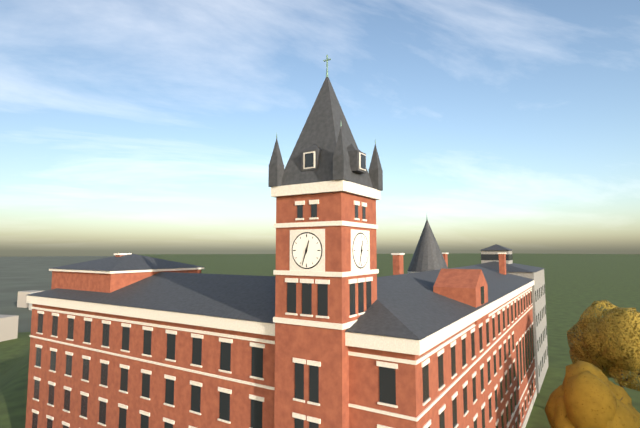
12:33
